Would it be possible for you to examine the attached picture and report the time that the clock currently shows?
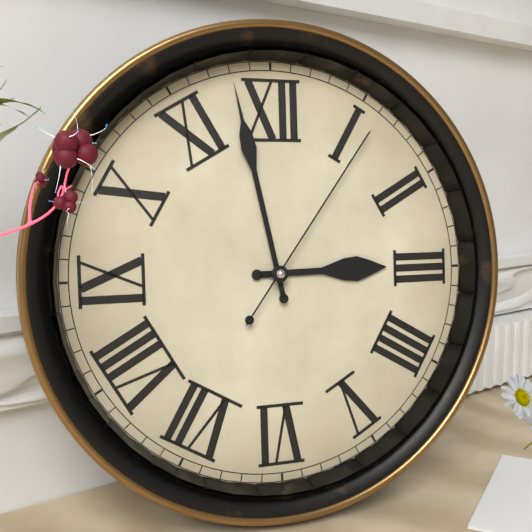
2:58:06
